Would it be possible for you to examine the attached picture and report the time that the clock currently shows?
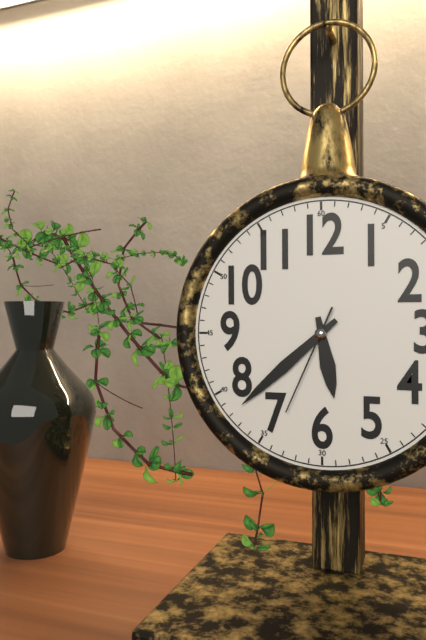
5:38:34
